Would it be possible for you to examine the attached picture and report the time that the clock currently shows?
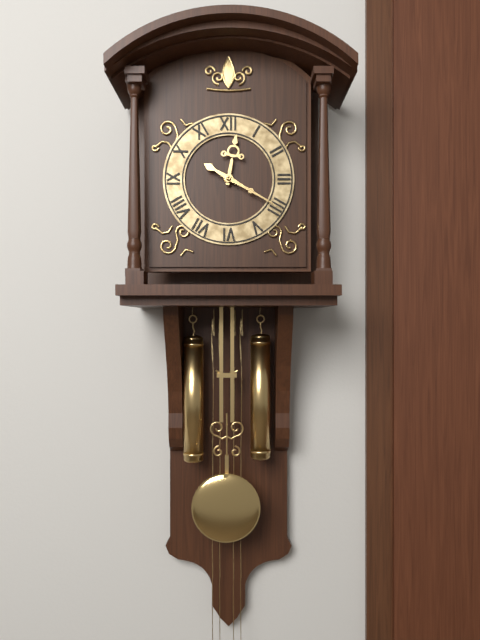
12:20
